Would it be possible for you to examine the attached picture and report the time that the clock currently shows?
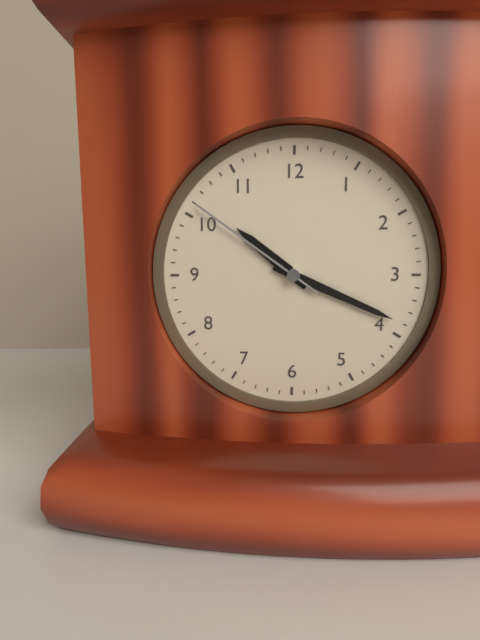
10:19:51
